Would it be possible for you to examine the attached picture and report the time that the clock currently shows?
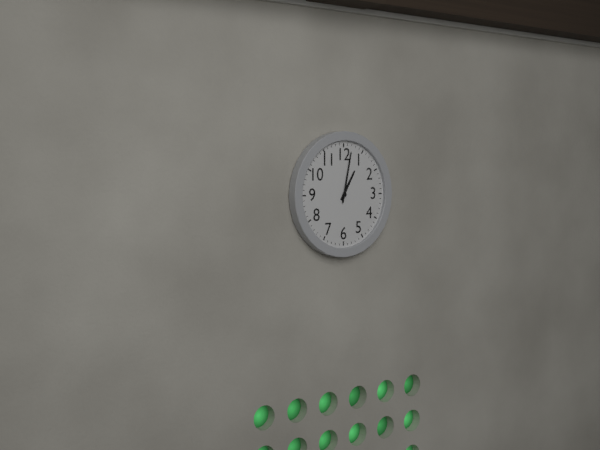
1:02
